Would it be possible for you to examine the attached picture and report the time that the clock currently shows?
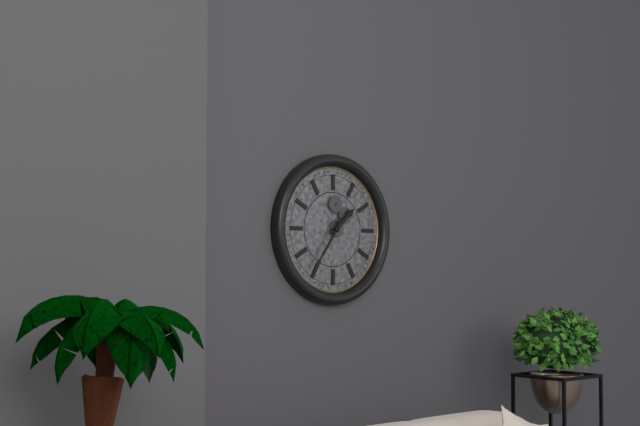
1:36
